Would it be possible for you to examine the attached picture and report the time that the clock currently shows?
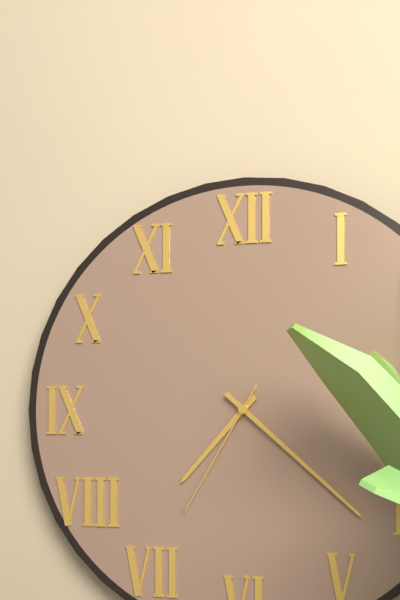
7:22:35
